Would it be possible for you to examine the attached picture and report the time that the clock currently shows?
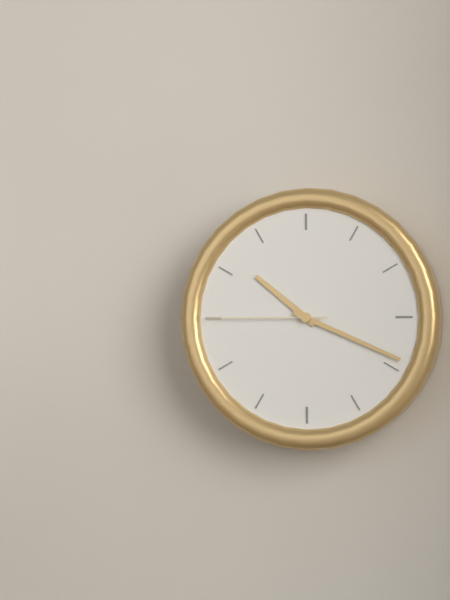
10:19:45
